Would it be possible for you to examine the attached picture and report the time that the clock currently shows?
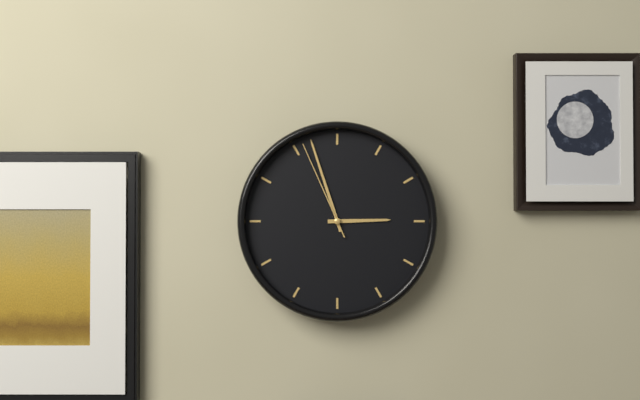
2:57:56
